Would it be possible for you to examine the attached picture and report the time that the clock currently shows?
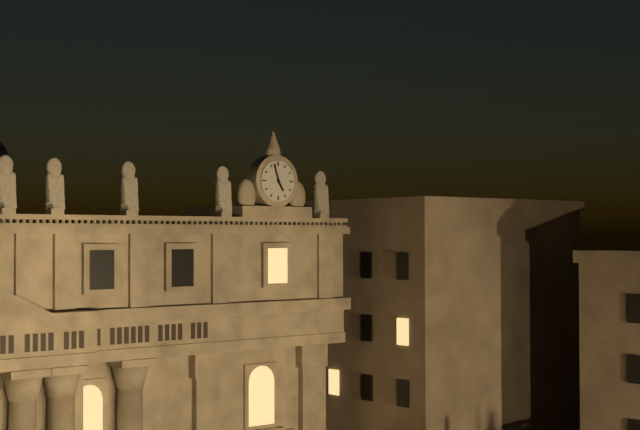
4:57
